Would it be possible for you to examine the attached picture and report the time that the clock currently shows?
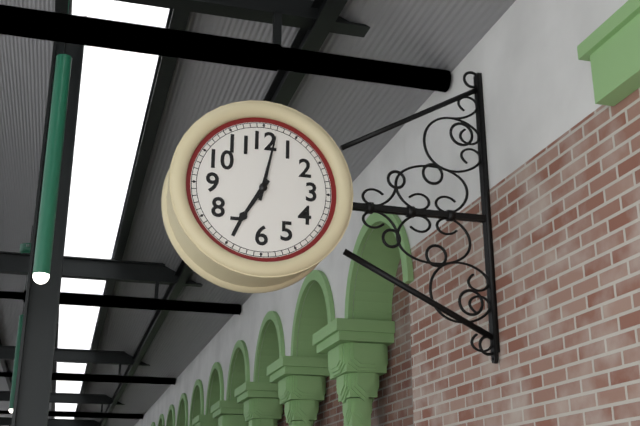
7:02
